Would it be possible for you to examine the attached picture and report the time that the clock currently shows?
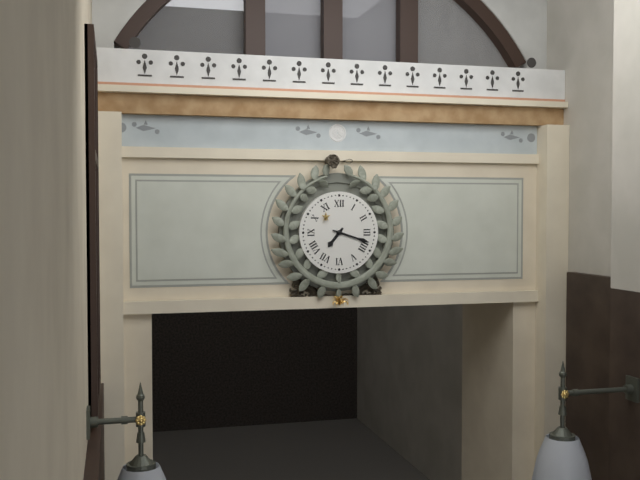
7:18
